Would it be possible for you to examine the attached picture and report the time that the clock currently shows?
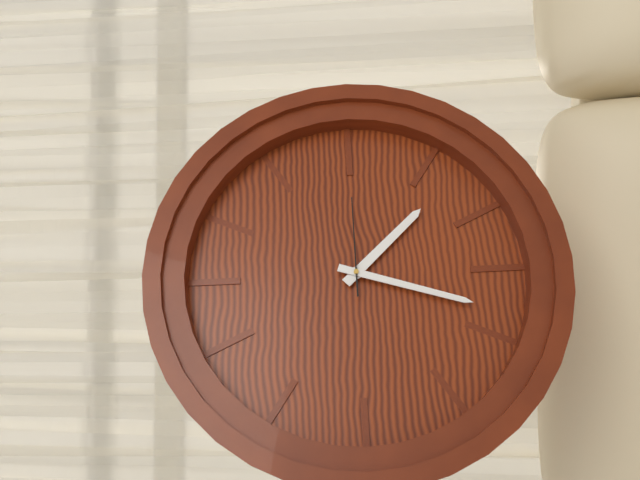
4:33:15
